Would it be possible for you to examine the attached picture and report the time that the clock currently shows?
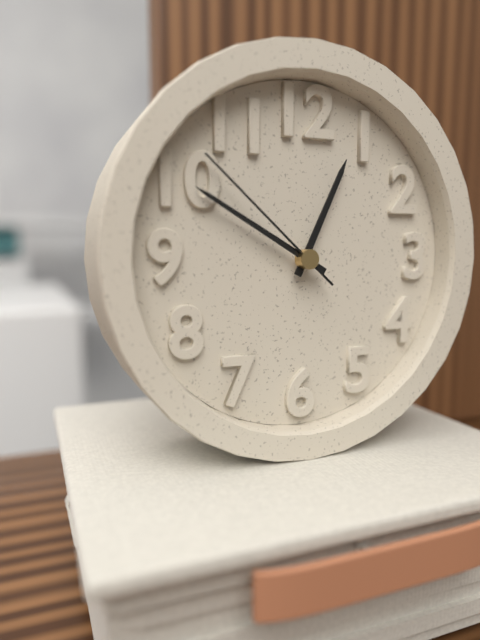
12:50:52
